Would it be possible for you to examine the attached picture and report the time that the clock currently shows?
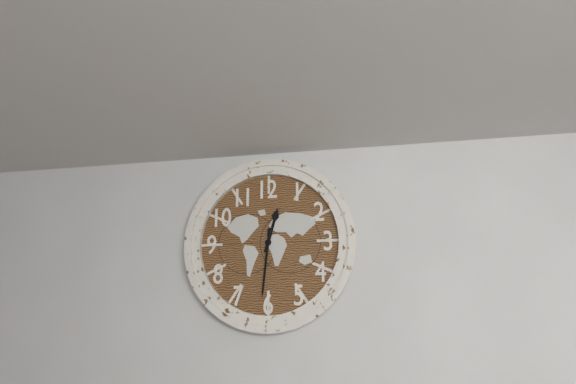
12:31
